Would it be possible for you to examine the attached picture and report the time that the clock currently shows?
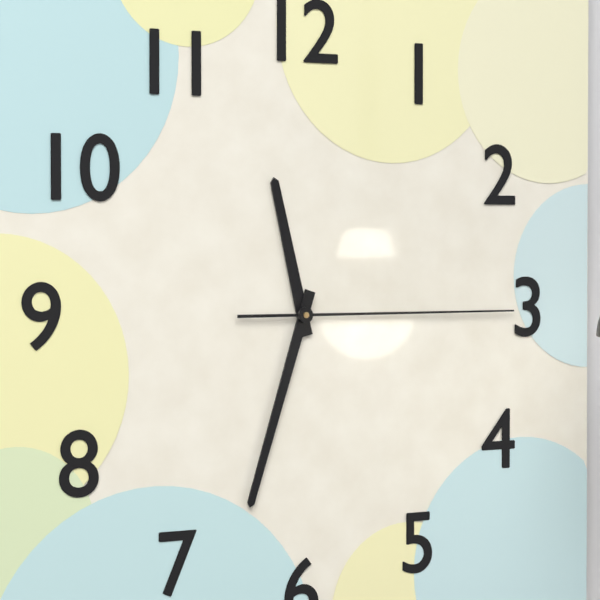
11:33:15
